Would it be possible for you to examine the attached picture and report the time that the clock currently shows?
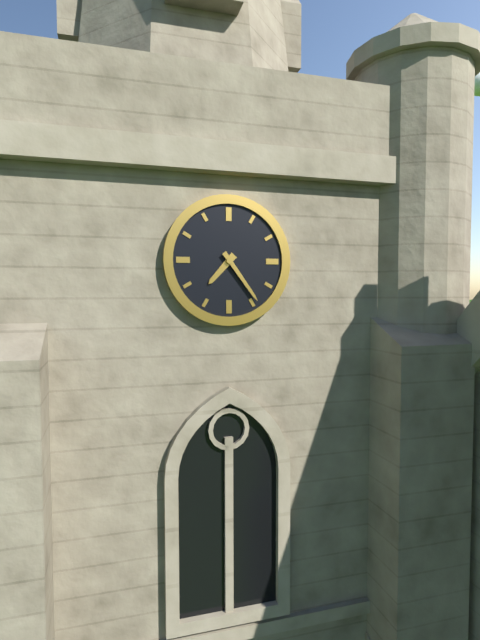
7:24
